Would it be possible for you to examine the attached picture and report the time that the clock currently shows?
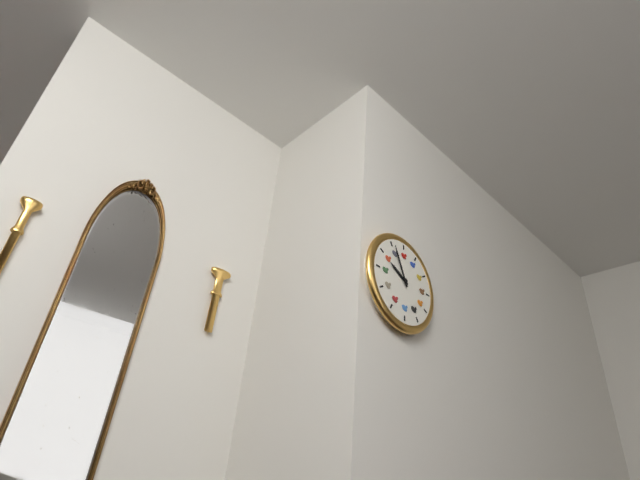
9:56
